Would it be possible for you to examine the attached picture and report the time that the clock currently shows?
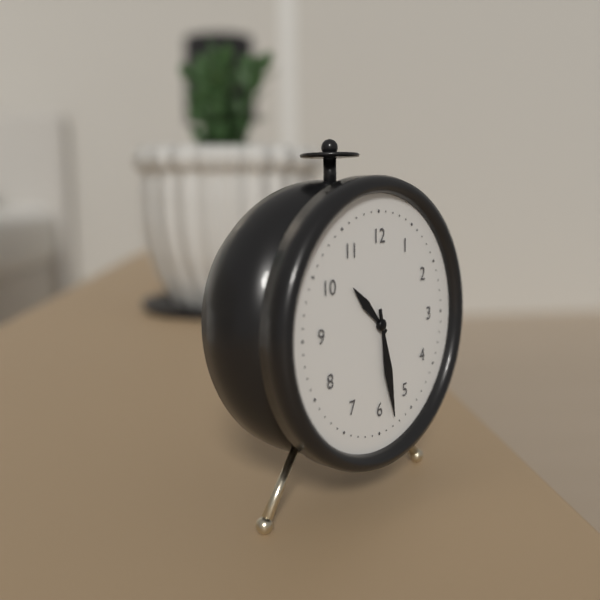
10:28
